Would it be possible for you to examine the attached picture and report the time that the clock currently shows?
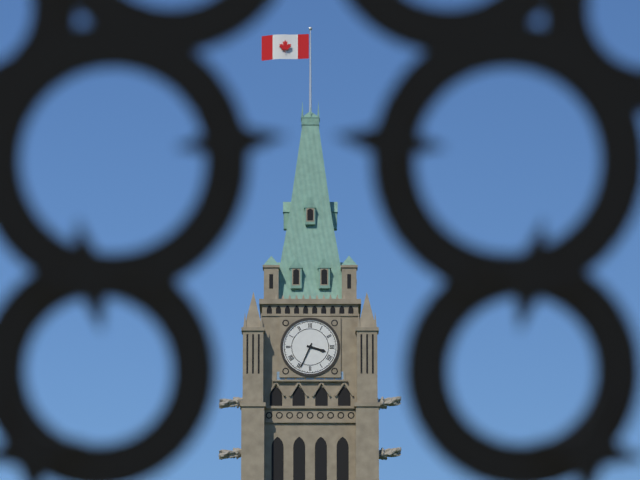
3:34
